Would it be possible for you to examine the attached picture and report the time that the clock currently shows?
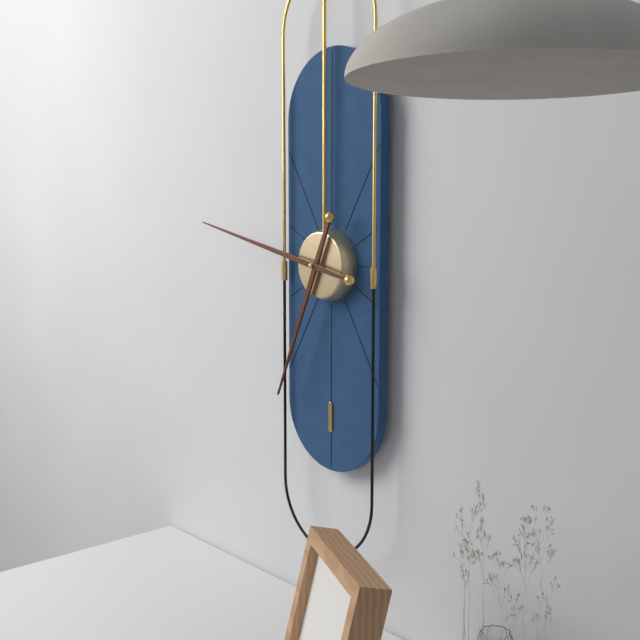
6:47
